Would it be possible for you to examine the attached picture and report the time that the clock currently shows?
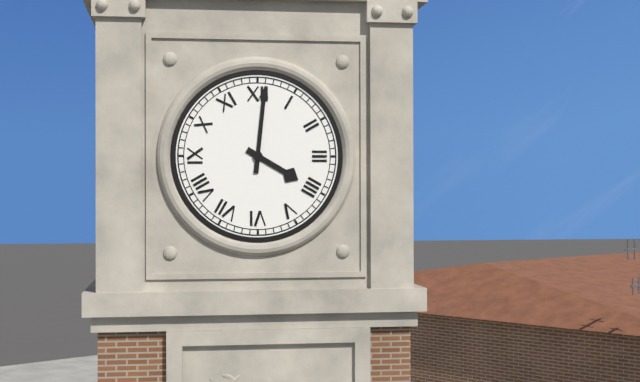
4:01
